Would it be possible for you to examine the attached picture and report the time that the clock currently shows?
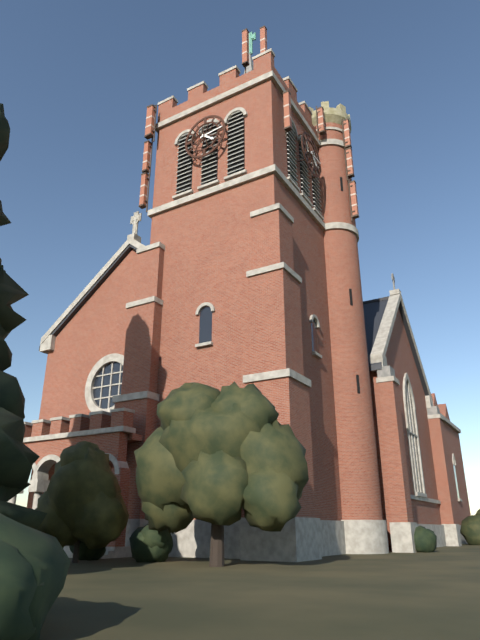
4:14
